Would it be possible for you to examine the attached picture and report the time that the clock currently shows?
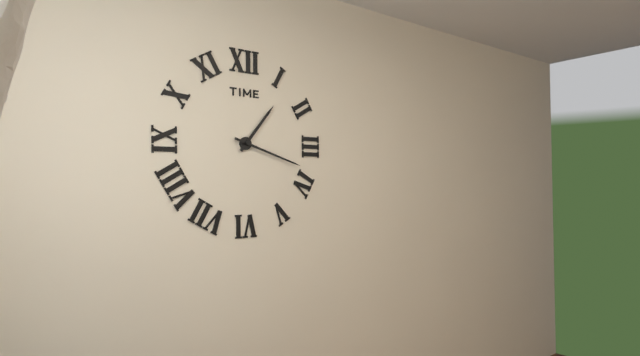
1:18
